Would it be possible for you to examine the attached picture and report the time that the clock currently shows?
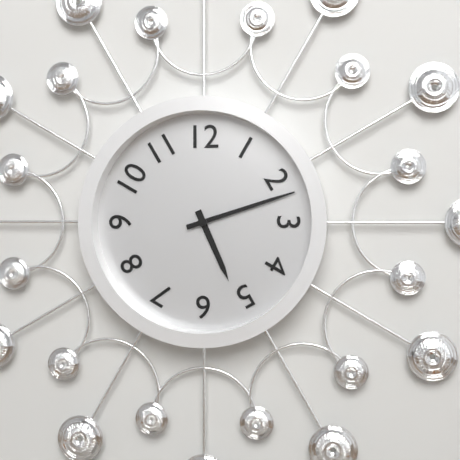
5:12
